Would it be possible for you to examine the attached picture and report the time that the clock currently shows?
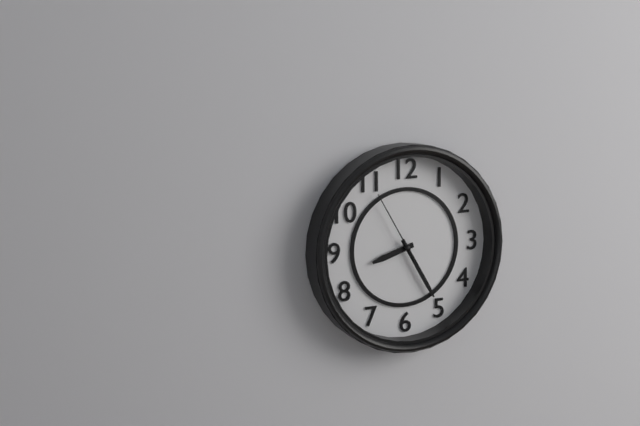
8:25:55
